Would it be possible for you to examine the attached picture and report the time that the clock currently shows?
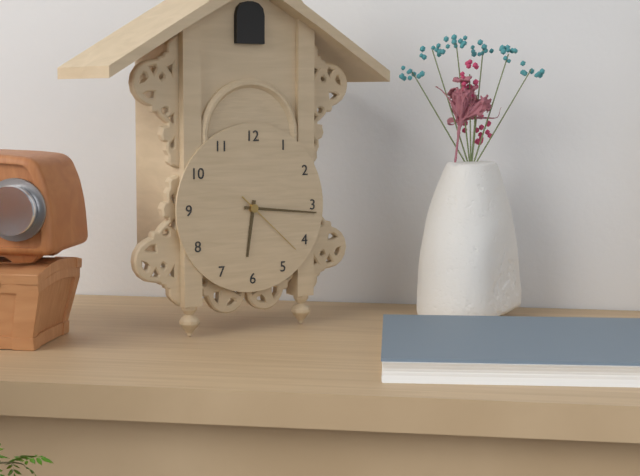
6:16:22
